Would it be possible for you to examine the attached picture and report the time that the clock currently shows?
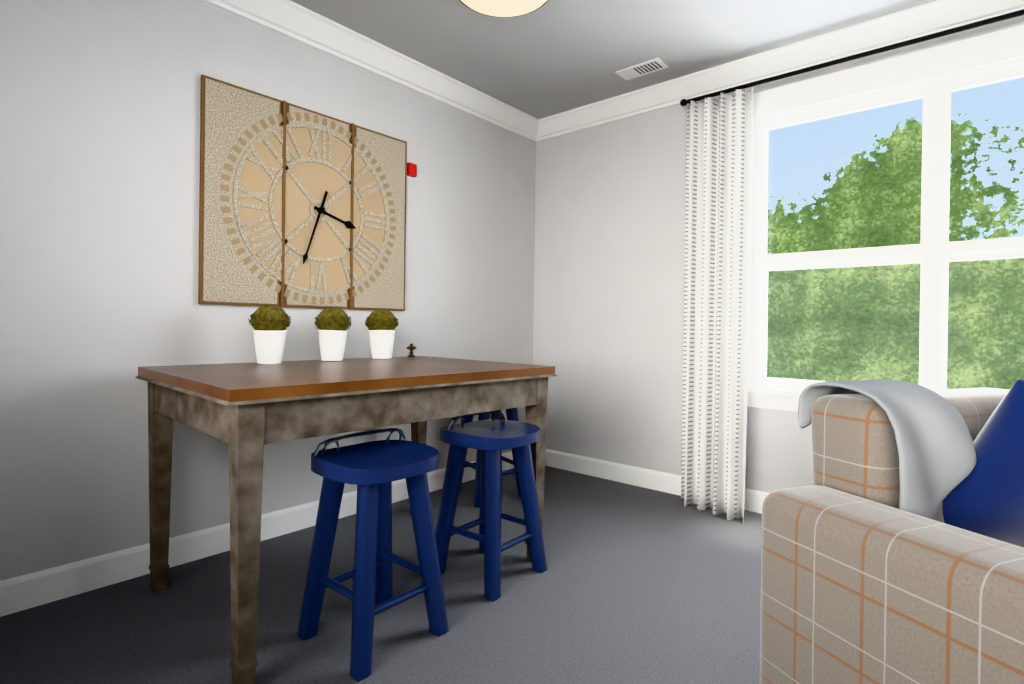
3:33
